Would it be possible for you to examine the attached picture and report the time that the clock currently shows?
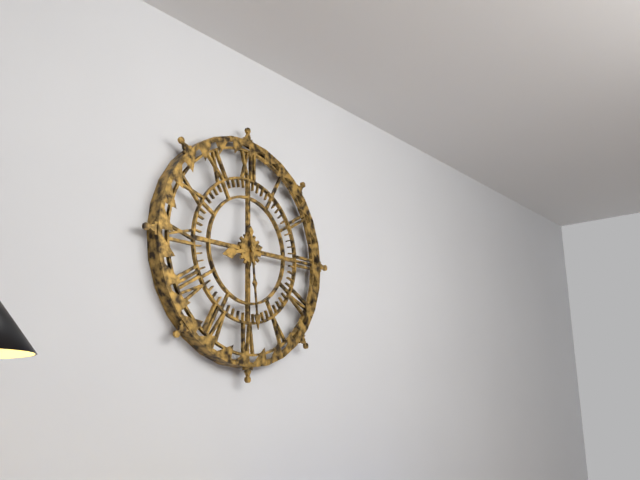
8:29
